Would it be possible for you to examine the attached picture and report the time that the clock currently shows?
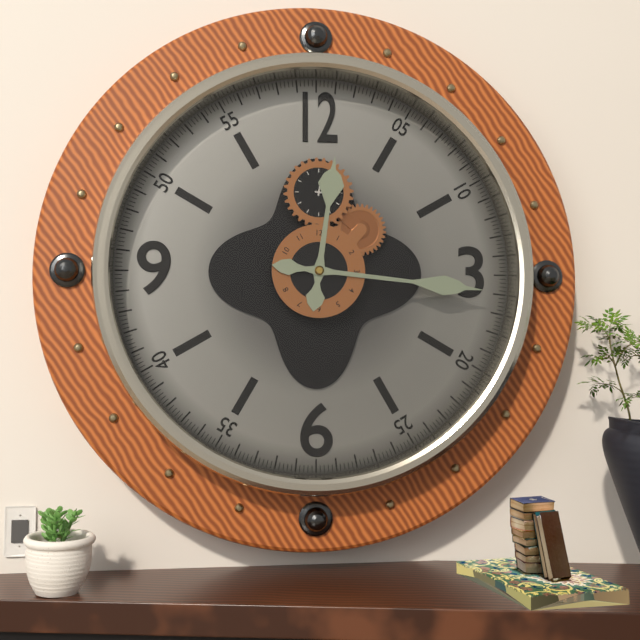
12:16
